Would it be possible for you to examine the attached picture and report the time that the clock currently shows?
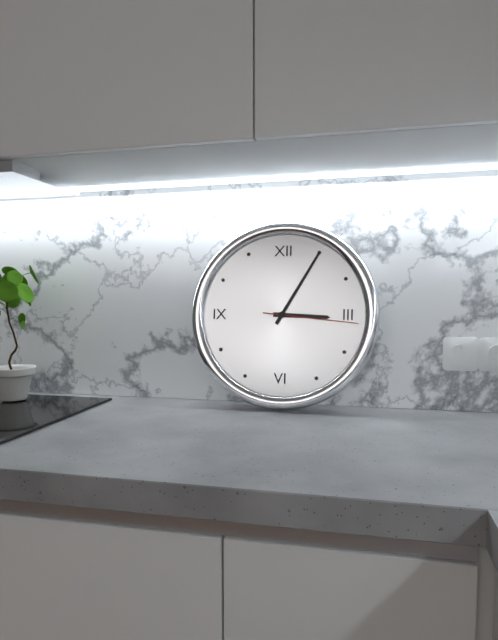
3:05:16
